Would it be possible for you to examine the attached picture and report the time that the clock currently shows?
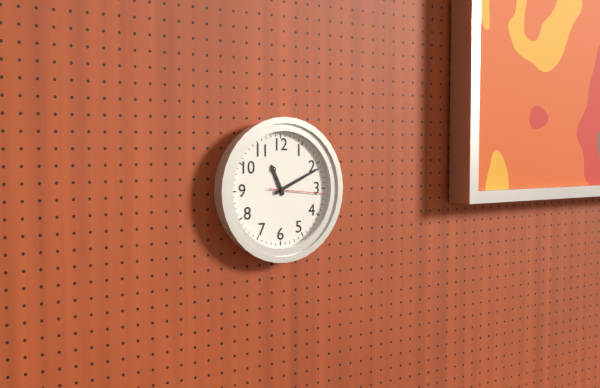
11:11:16
